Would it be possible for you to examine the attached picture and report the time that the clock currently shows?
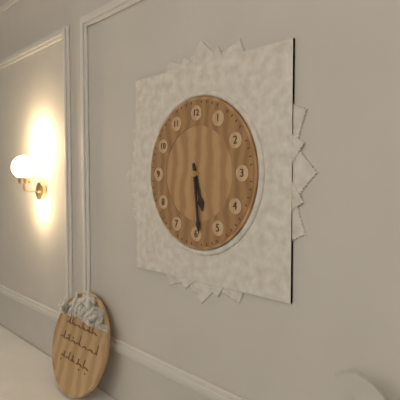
5:29
